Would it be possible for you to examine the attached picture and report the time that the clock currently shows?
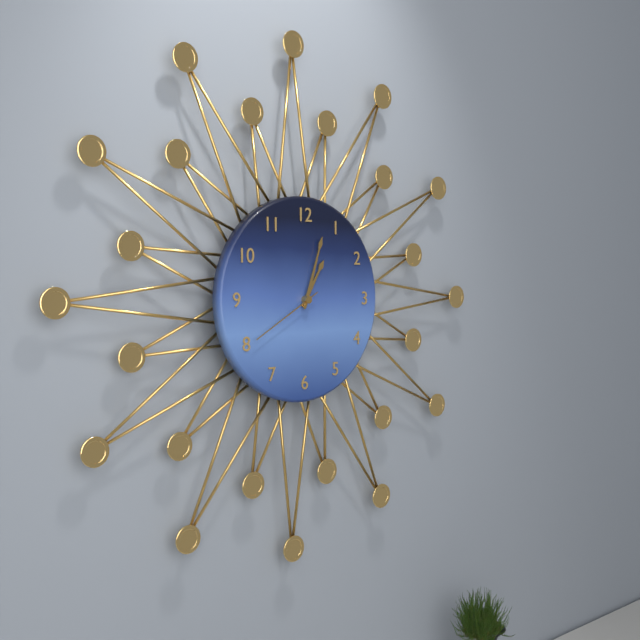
1:03:40
